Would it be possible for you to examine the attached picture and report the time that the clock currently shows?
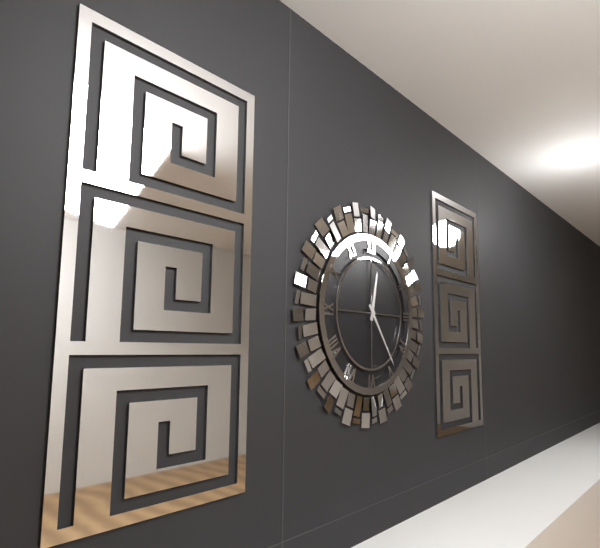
12:24
